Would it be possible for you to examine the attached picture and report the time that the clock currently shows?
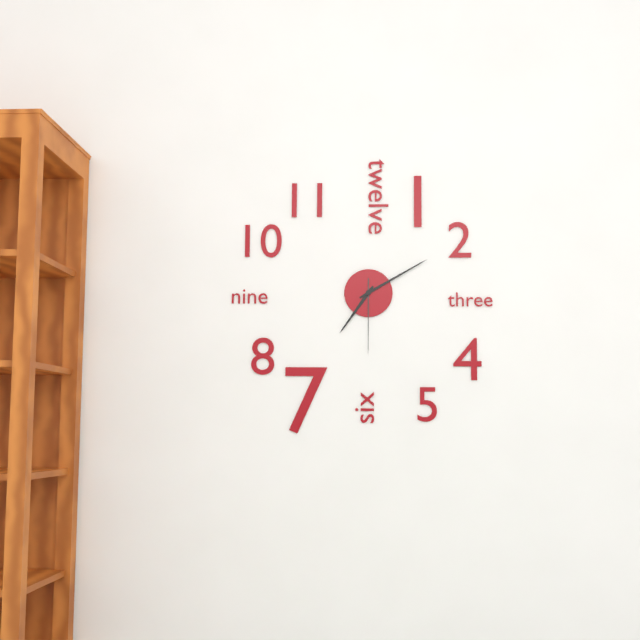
7:10:30
